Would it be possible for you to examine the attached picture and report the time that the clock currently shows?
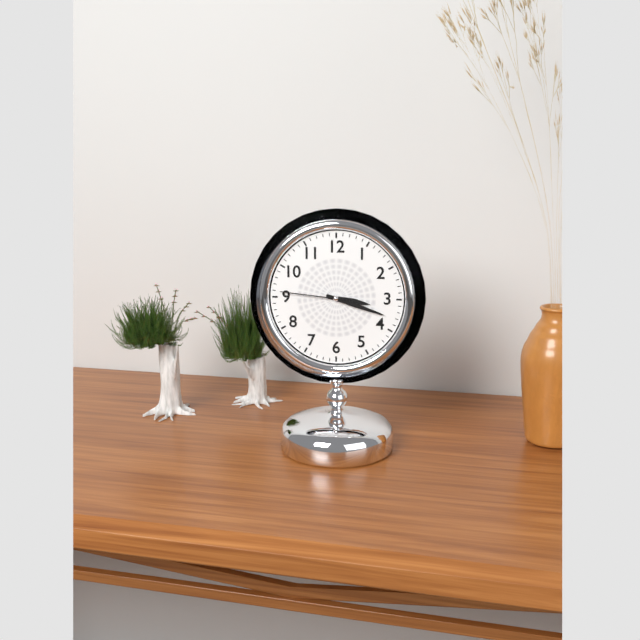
3:18:46
